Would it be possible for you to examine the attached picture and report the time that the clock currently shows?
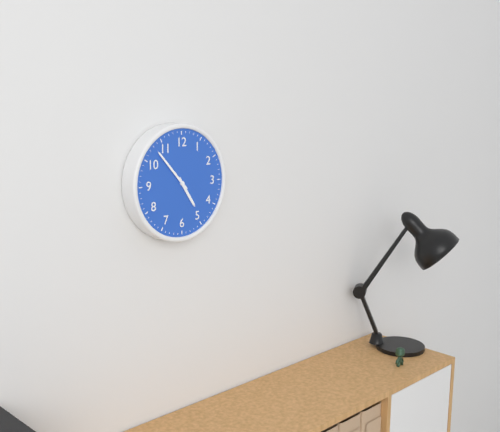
4:53
